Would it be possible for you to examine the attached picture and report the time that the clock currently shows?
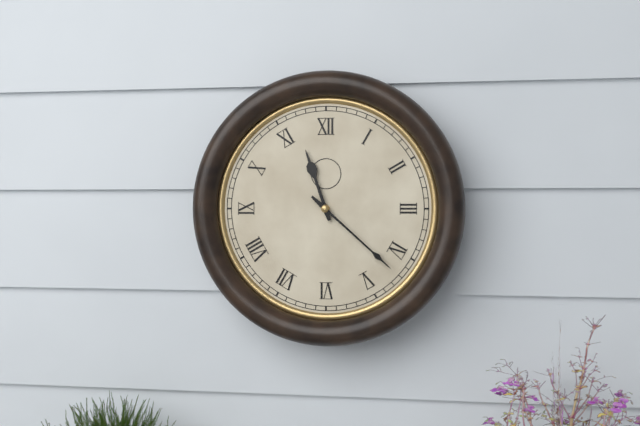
11:22
